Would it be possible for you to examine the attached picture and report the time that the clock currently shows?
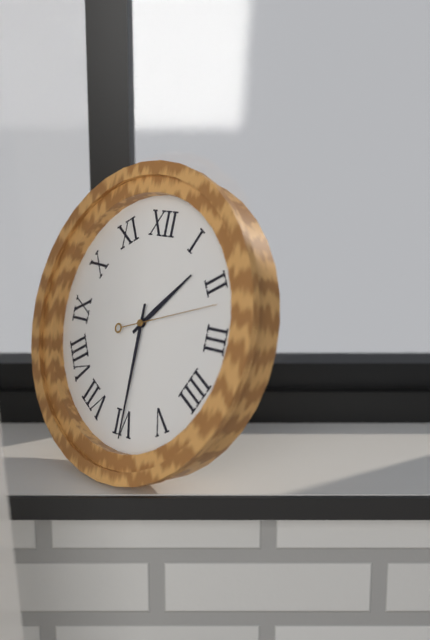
1:30:12
